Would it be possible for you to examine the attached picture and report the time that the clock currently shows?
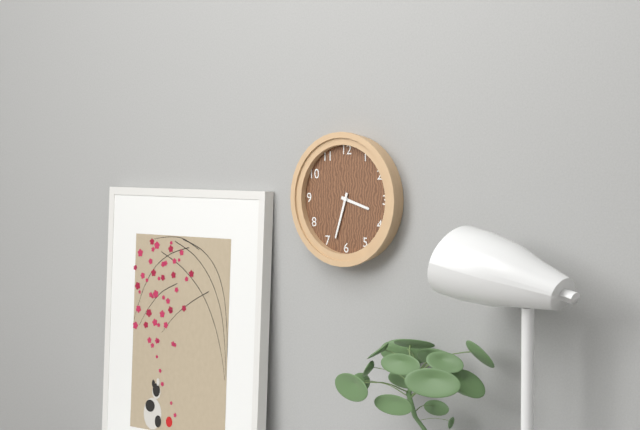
3:33
